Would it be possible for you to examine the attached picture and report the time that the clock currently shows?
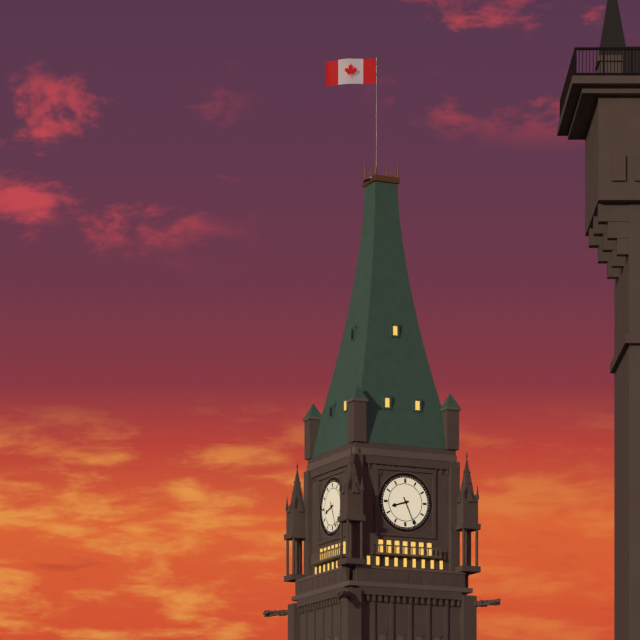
8:26
